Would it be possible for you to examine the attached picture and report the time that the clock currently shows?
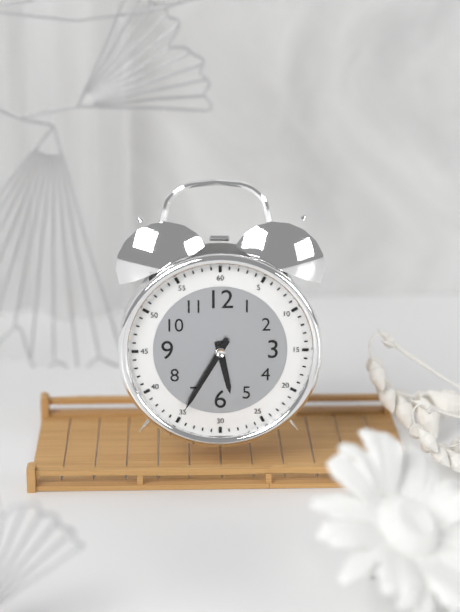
5:35
